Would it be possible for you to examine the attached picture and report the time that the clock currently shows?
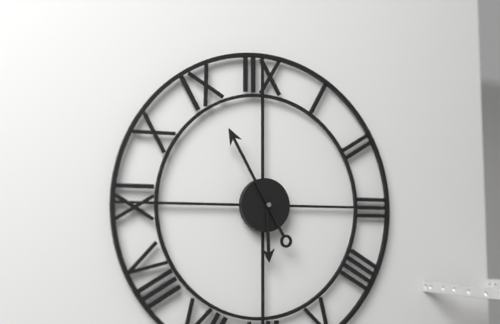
5:55
